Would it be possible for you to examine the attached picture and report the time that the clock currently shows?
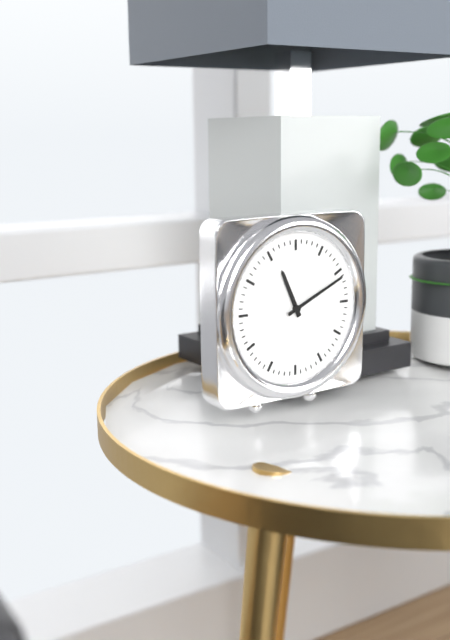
11:11
